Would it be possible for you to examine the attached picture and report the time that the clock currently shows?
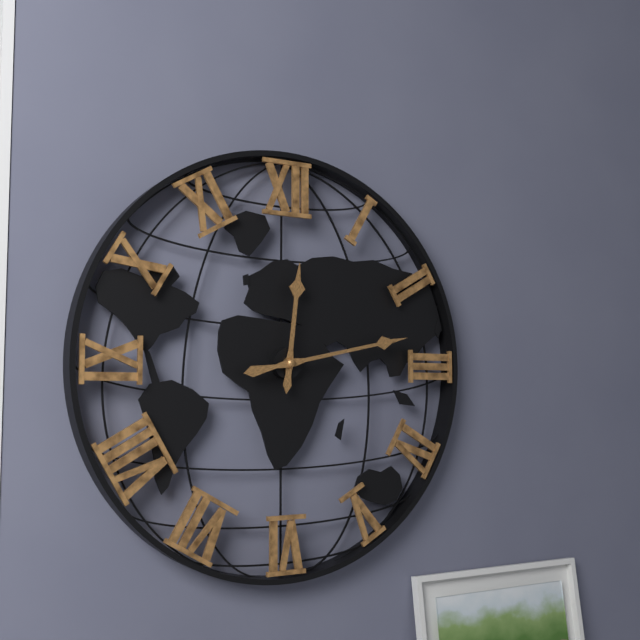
12:13
